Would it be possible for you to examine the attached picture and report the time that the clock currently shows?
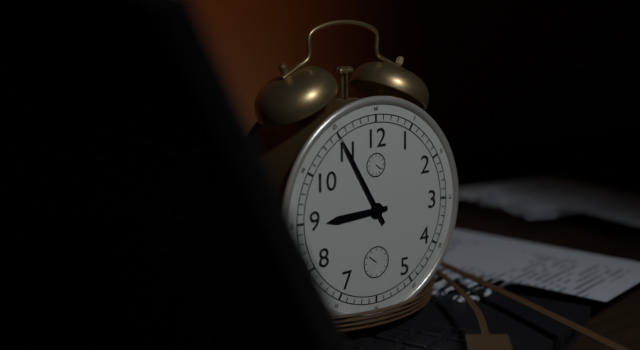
8:55
